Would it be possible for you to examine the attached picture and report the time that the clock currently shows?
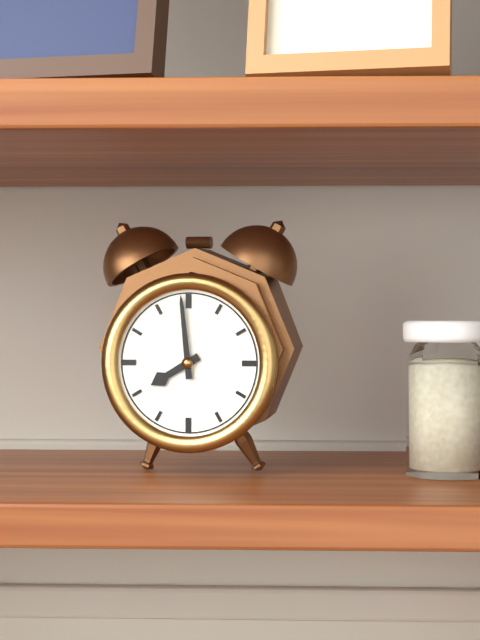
7:59
